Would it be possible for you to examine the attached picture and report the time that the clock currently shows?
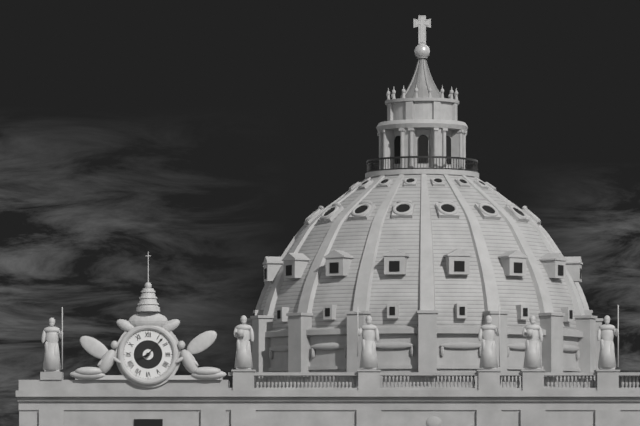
8:07
